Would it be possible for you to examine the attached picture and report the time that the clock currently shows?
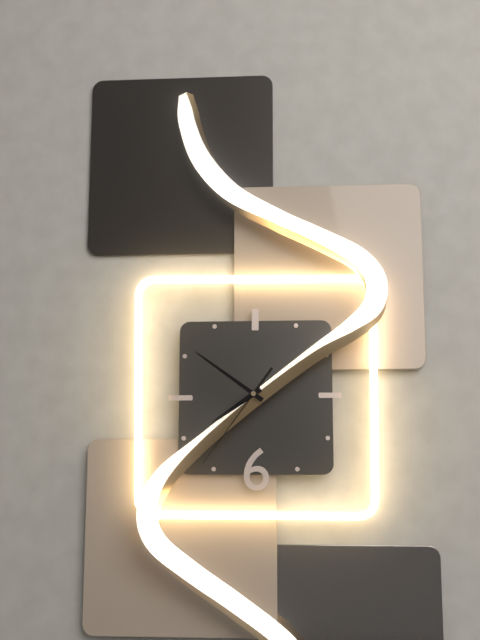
7:51:36
